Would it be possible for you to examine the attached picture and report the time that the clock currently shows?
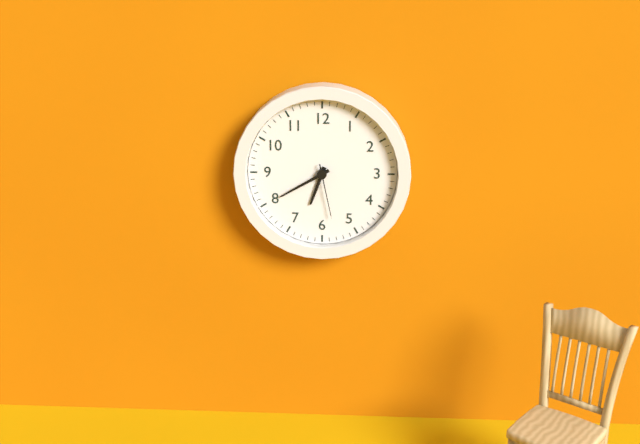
6:40:28
